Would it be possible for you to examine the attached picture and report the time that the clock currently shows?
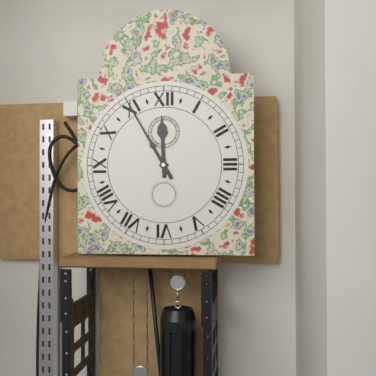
11:55
